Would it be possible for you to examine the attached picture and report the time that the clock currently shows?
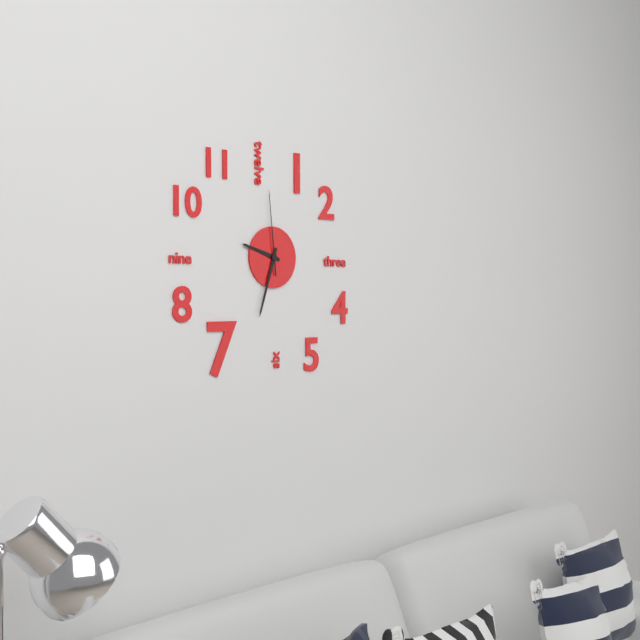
9:33:59
